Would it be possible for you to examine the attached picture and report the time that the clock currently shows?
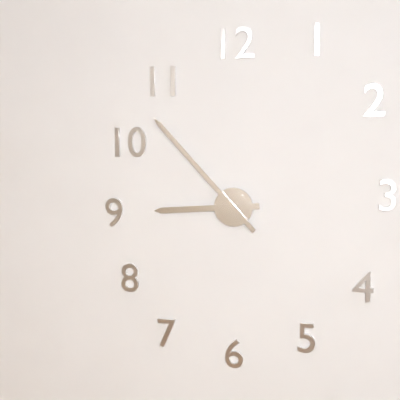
8:53
